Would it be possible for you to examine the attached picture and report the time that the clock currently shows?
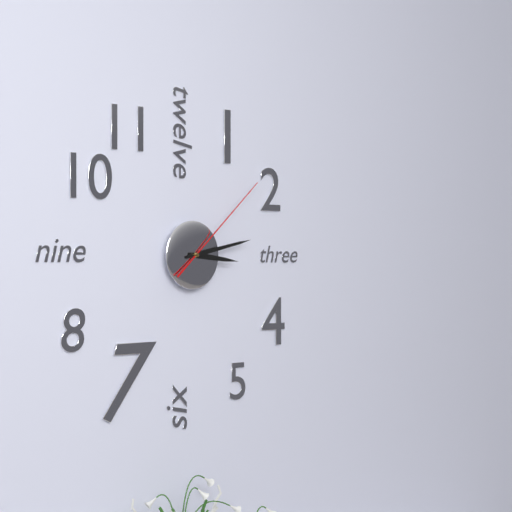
3:13:08
